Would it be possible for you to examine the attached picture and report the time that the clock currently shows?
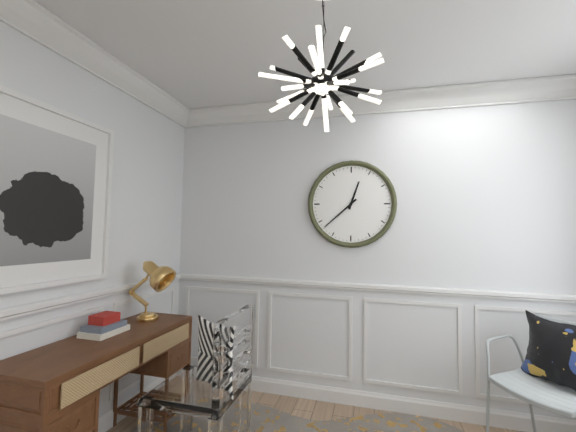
12:38
